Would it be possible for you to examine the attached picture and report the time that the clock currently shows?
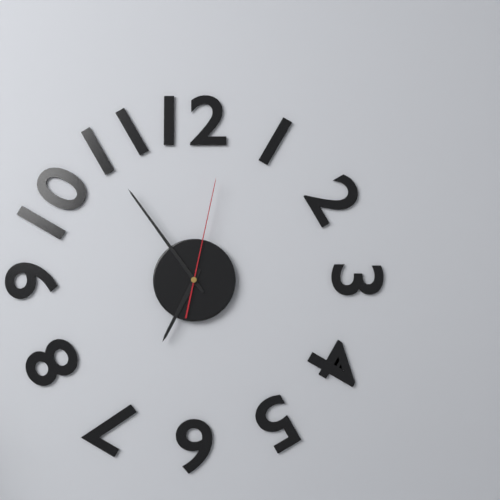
6:54:02
